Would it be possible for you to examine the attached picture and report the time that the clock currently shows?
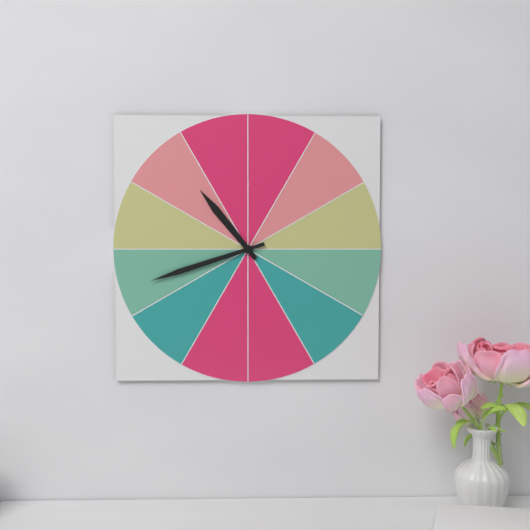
10:42
